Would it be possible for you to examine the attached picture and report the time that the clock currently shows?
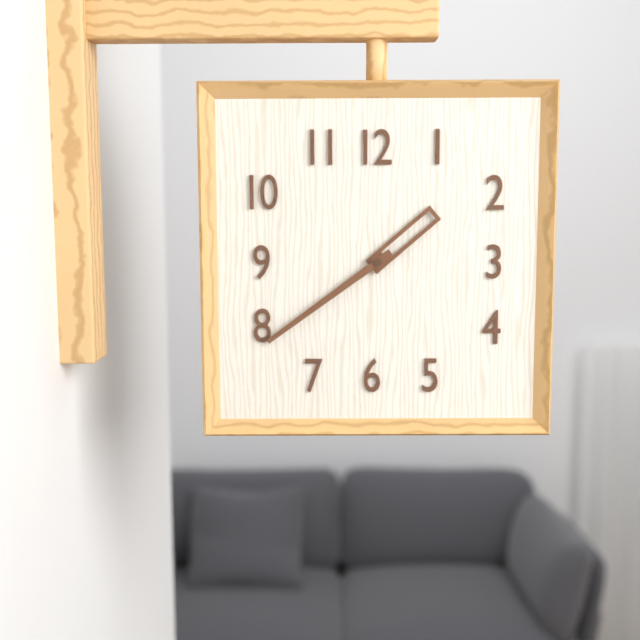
1:39
